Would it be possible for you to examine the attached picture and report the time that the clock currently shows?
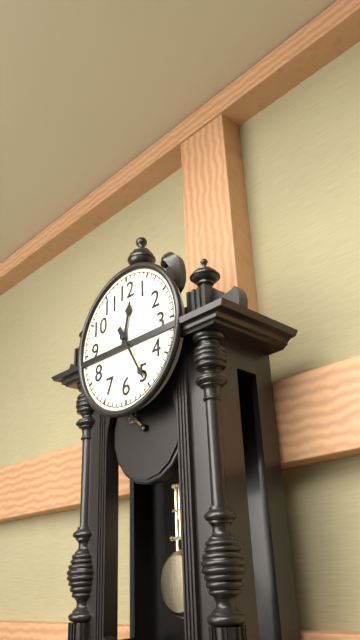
12:25
